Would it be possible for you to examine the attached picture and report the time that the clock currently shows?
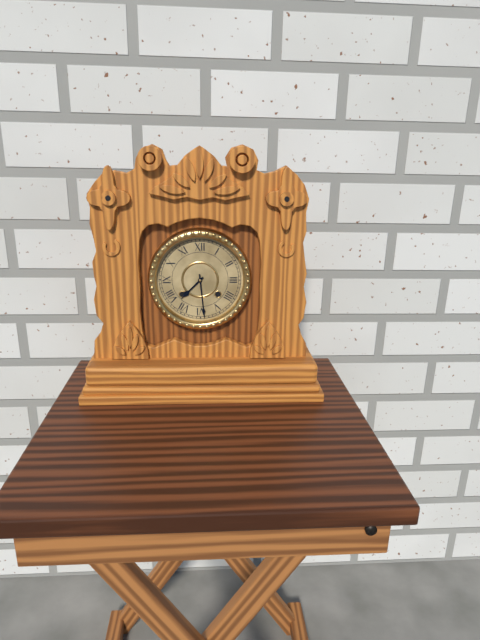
7:29
